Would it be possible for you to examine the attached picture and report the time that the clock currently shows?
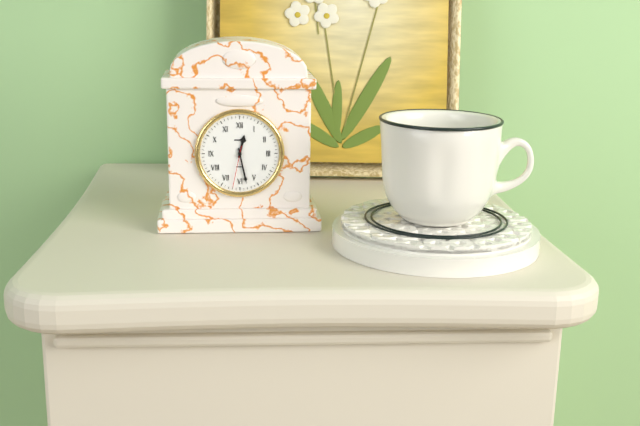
12:28
